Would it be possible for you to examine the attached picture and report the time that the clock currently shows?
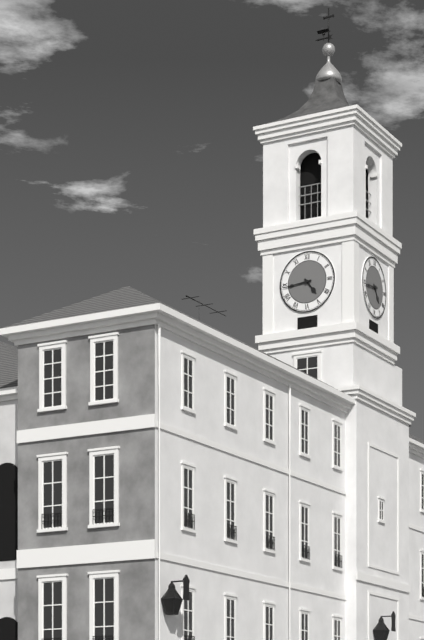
4:44
